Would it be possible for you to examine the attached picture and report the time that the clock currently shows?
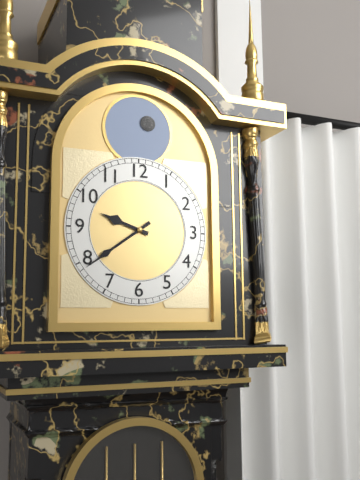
9:39
